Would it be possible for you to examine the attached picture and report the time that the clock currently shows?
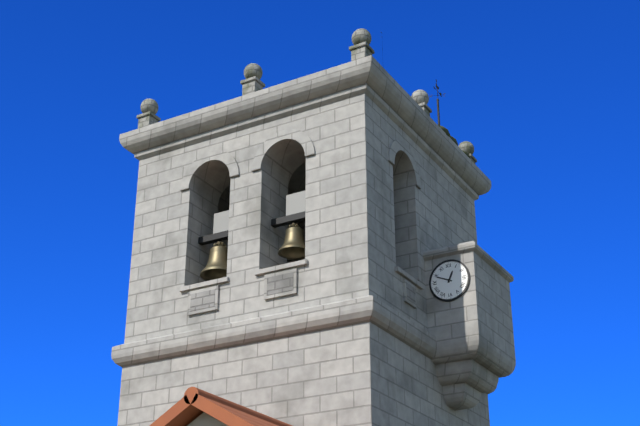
12:49
